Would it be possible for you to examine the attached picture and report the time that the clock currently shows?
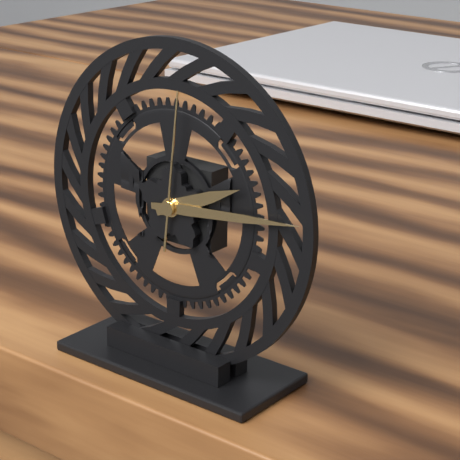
2:14:01
